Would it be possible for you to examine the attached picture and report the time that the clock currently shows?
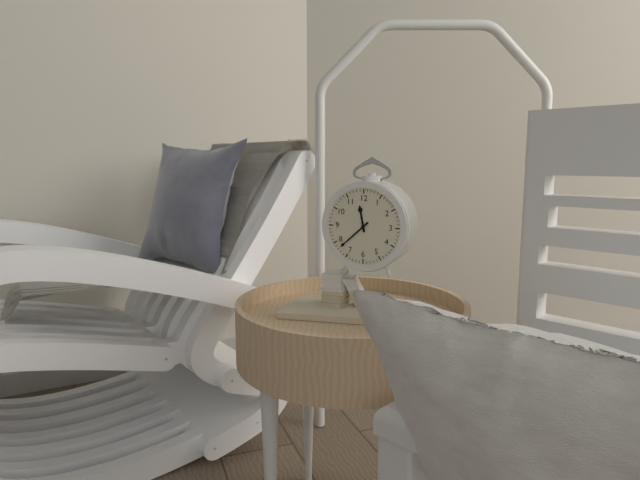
11:38
